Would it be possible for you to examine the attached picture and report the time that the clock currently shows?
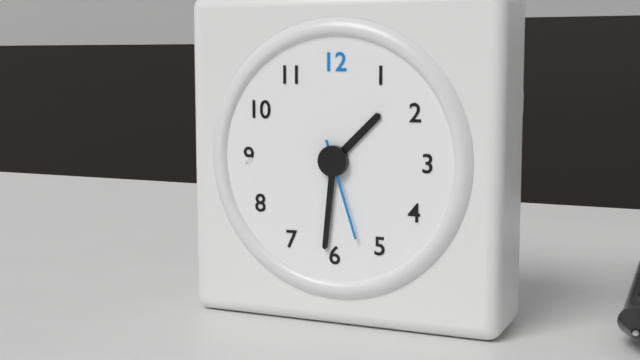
1:31:27
